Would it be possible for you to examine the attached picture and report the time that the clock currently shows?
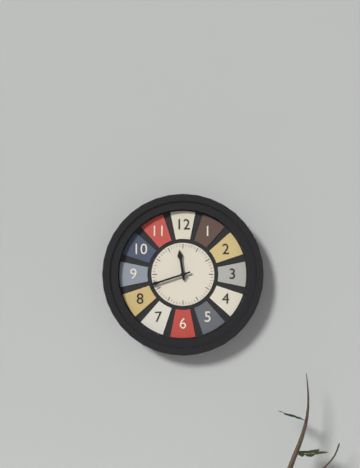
11:42
